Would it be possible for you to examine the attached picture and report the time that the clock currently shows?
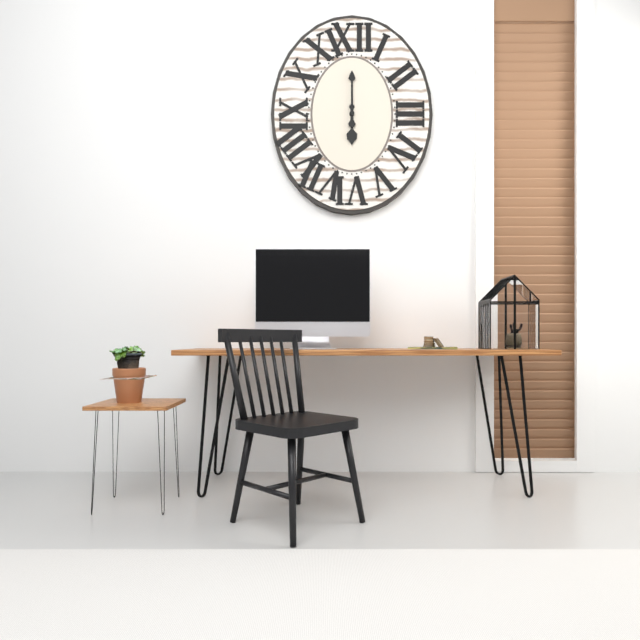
6:00
